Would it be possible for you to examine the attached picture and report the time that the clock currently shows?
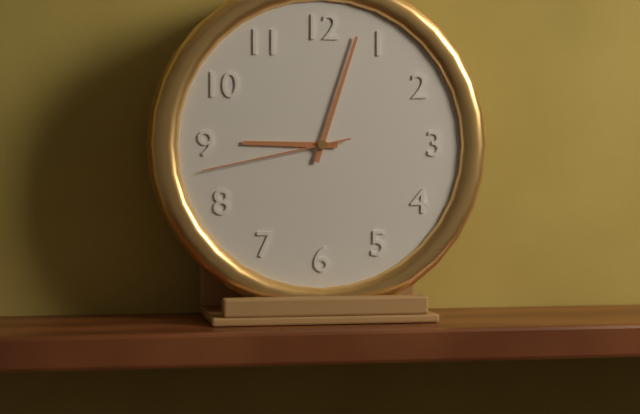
9:03:43
